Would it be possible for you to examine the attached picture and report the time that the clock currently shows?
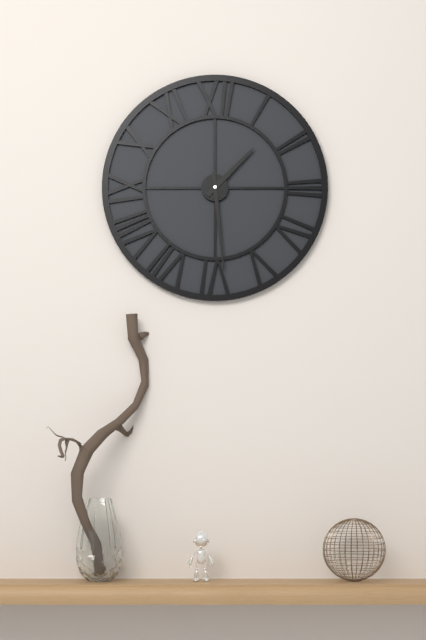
1:29
